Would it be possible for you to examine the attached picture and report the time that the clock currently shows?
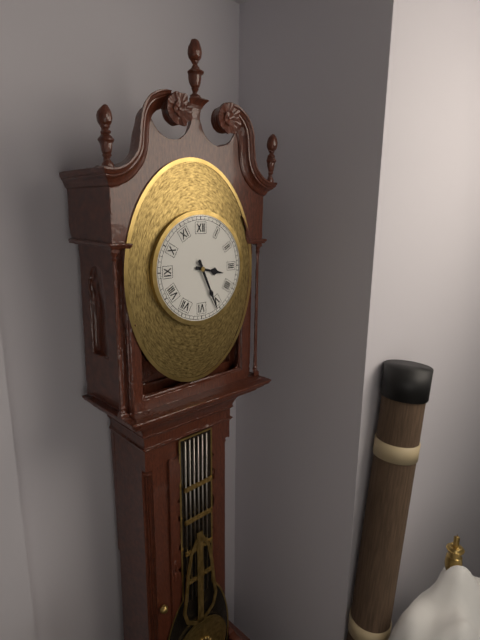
3:26
